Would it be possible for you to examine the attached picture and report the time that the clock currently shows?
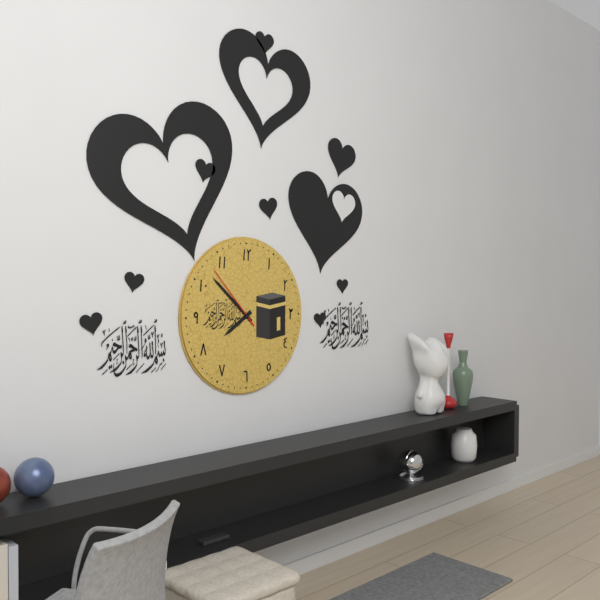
7:52:53
